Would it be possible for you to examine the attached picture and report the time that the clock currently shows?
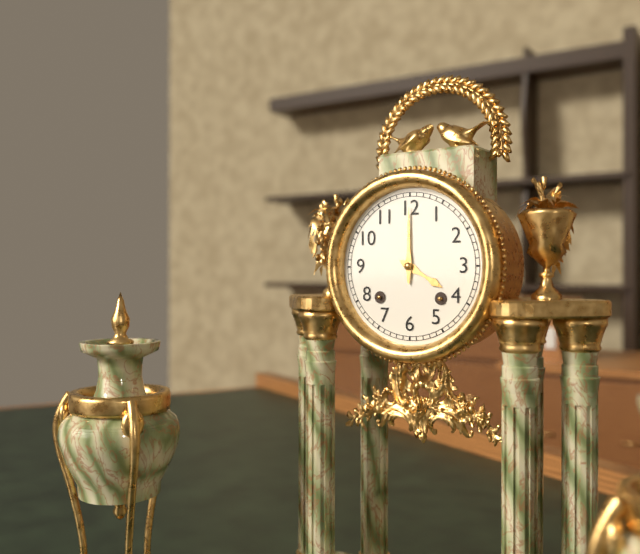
4:00
